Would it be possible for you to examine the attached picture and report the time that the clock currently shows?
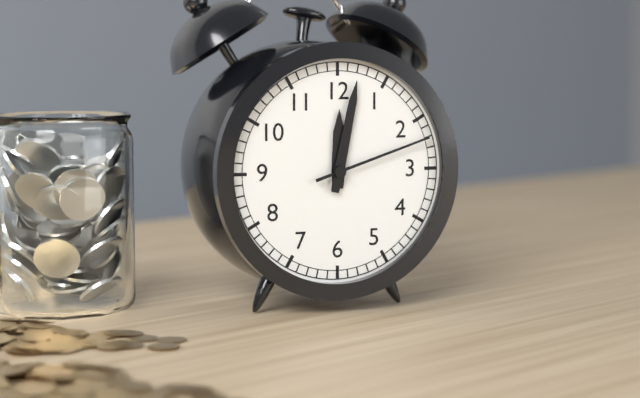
12:02:12
